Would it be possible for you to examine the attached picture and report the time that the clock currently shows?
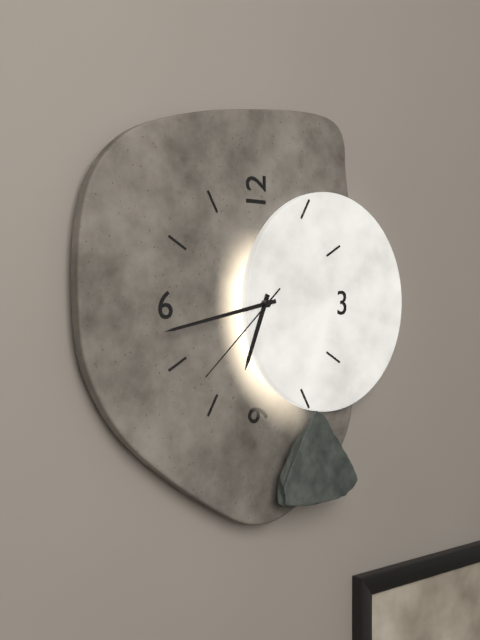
6:43:38
